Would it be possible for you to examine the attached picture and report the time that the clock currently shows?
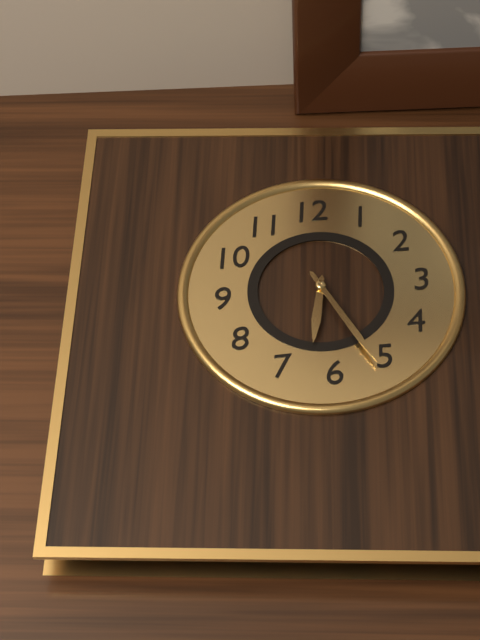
6:26
